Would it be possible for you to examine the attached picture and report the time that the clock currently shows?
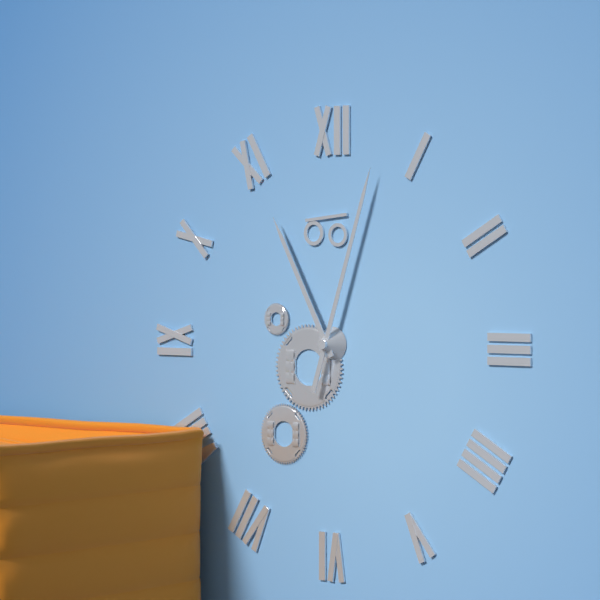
11:03
